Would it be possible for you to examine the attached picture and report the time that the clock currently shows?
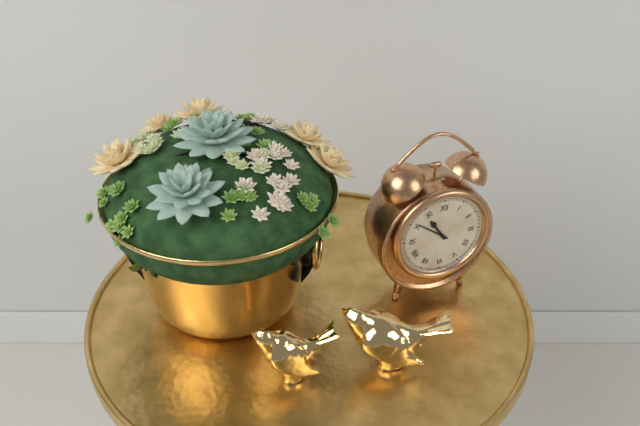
10:51
